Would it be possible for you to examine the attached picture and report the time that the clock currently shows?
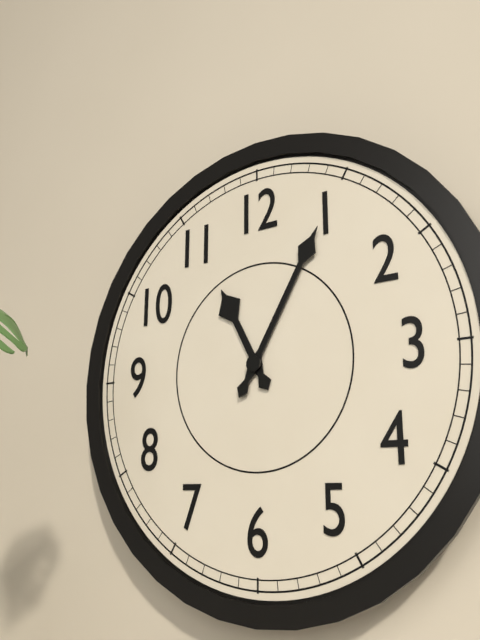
11:05
